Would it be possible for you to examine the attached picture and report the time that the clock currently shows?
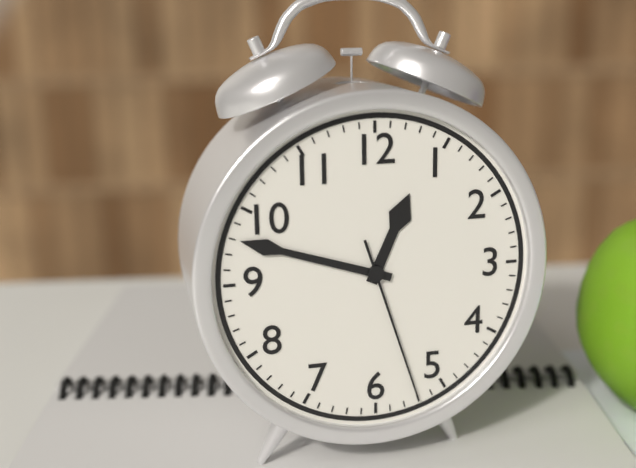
12:48:27
